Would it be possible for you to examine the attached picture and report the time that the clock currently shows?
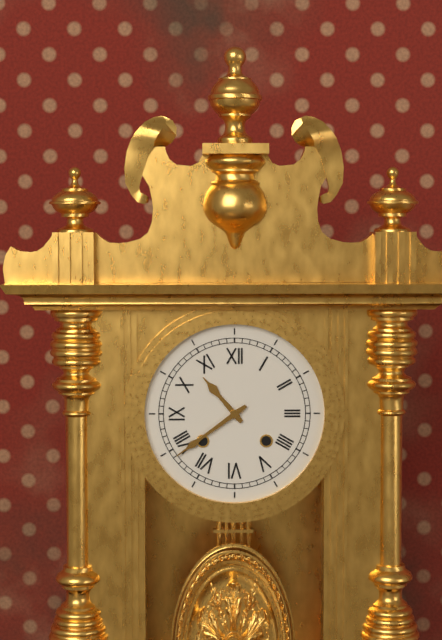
10:39
